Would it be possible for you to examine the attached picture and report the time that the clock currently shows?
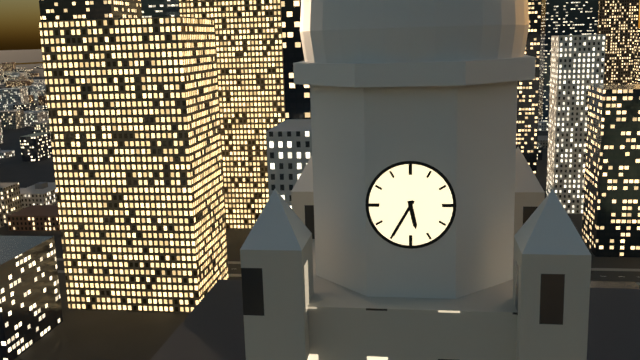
5:35
